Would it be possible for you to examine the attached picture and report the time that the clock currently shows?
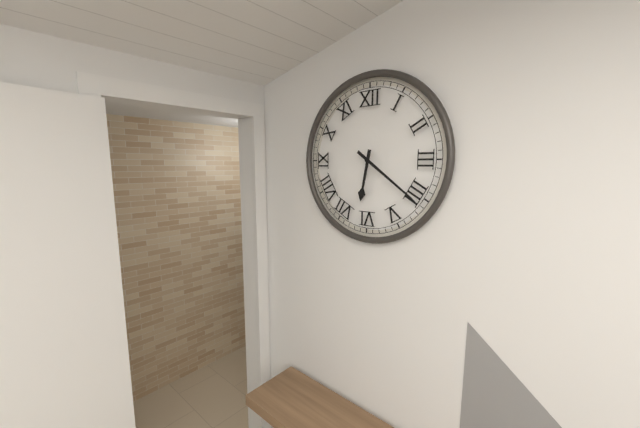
6:21
